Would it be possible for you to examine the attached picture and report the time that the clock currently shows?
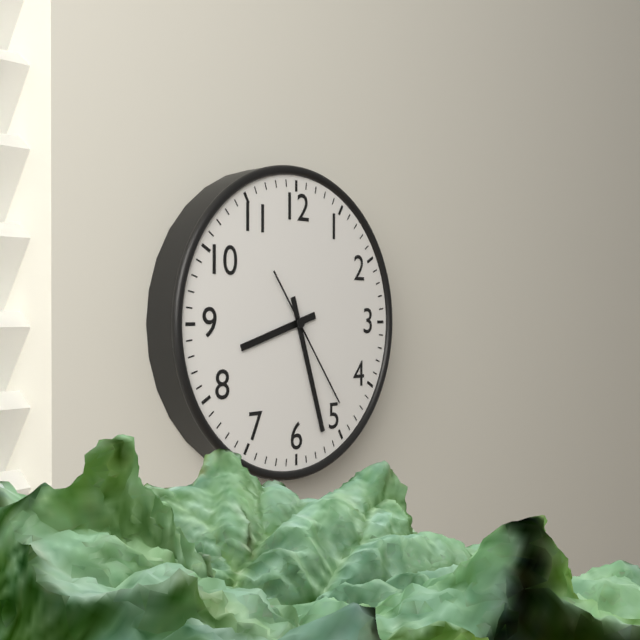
8:27:24
